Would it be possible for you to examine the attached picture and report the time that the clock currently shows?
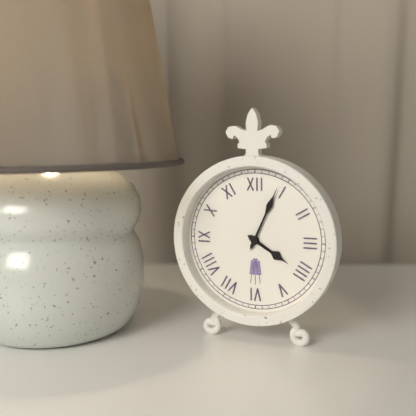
4:04
